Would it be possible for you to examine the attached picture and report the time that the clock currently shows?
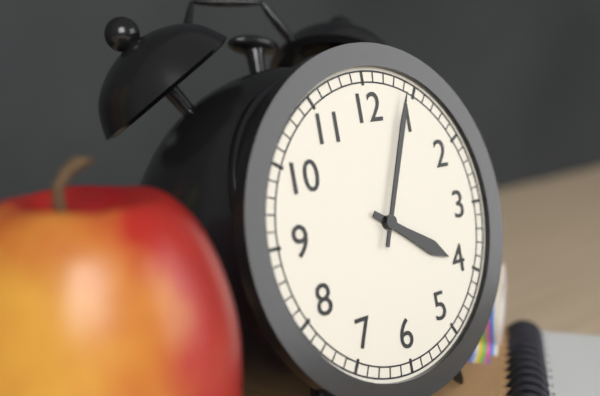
4:04
